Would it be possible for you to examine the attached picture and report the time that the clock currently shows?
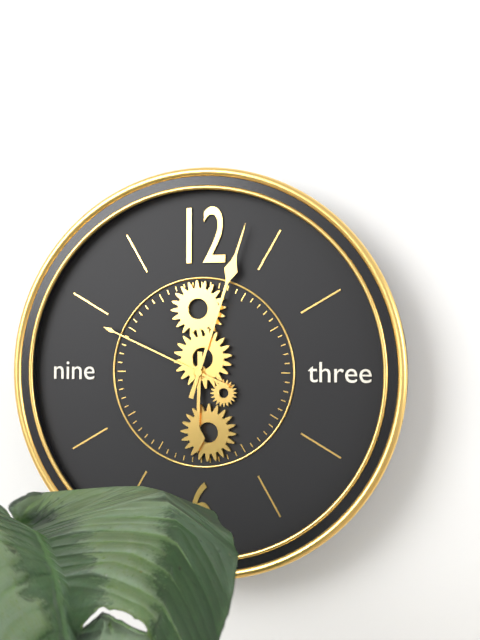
6:03:49
